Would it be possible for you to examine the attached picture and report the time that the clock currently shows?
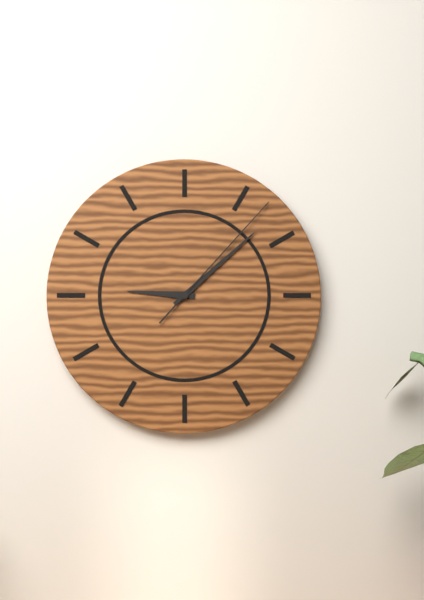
9:08:07
